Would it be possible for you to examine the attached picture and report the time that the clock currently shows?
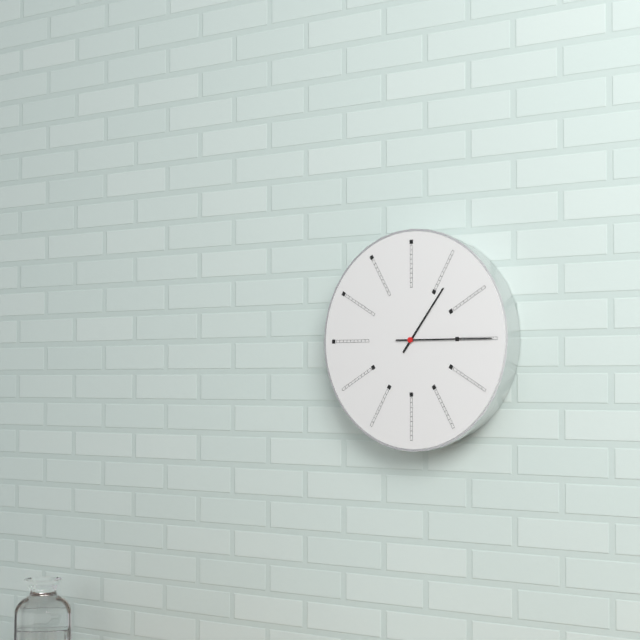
1:15
